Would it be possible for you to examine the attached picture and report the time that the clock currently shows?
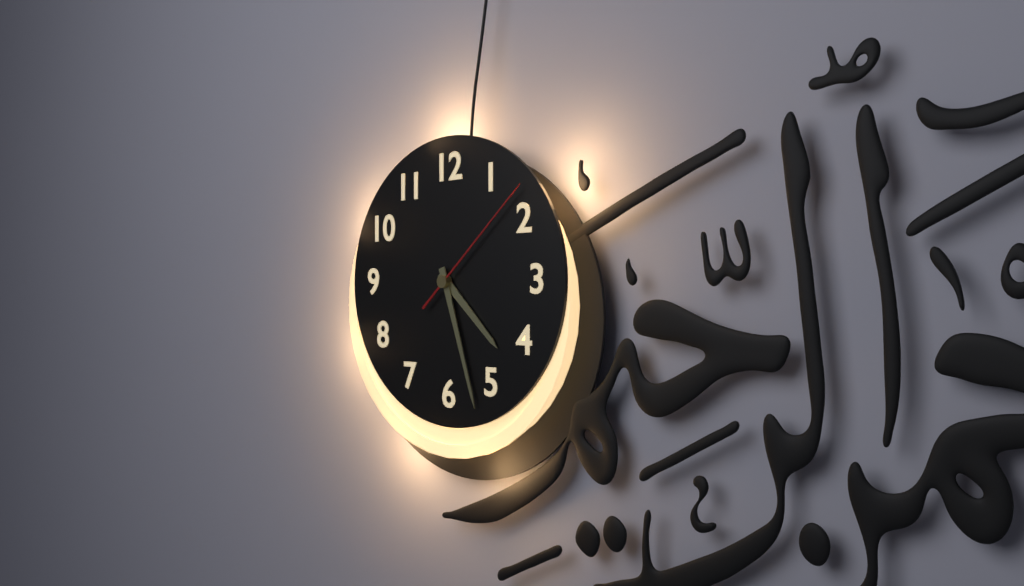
4:27:08
